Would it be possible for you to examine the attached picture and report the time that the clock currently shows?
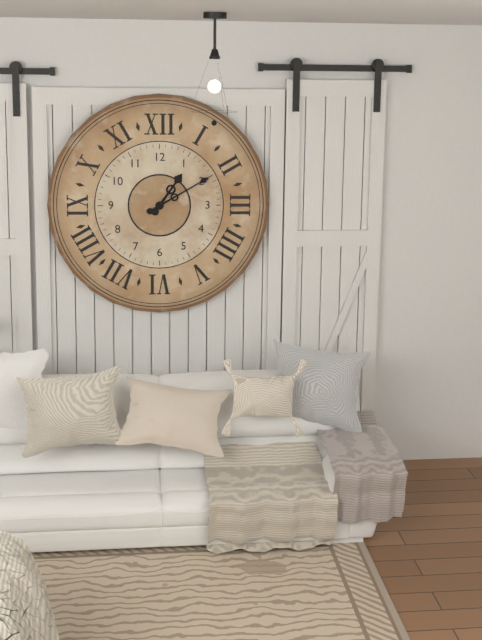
1:10
